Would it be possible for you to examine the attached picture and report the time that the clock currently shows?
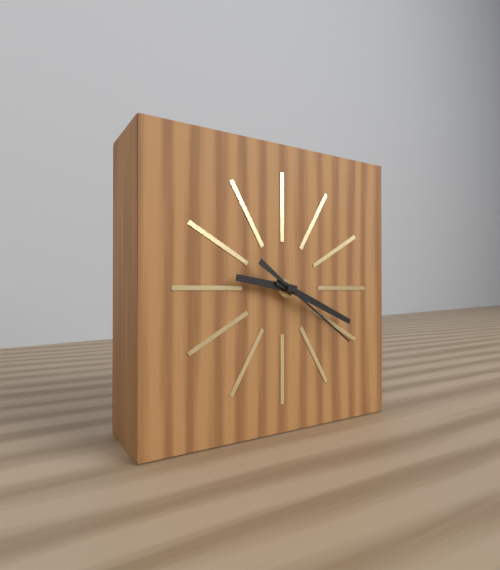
9:19:21
